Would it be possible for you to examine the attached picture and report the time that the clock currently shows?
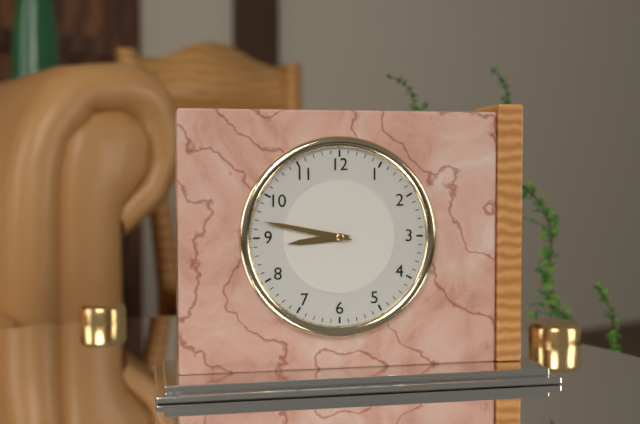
8:47
